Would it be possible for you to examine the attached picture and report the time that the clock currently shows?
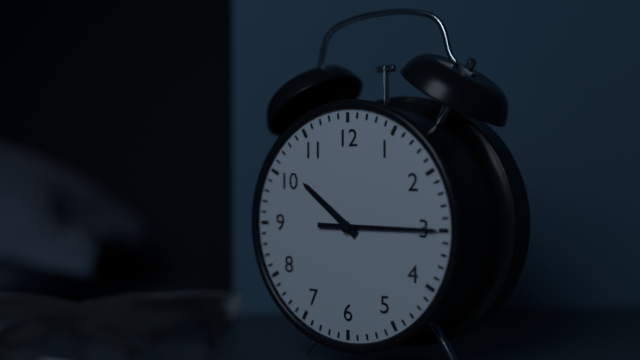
10:15
